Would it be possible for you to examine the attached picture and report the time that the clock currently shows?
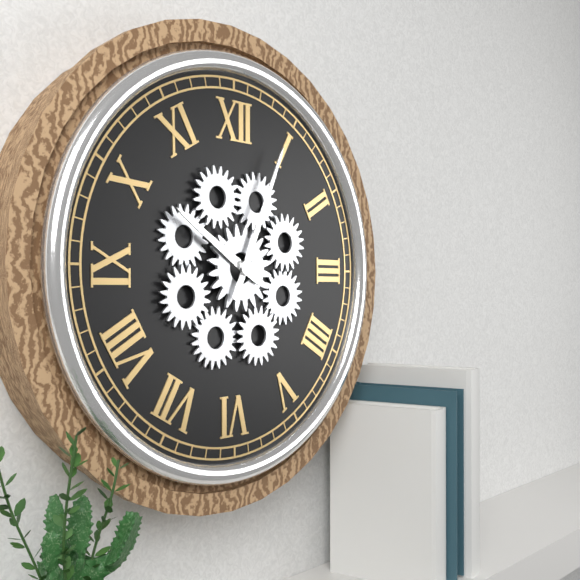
10:04
